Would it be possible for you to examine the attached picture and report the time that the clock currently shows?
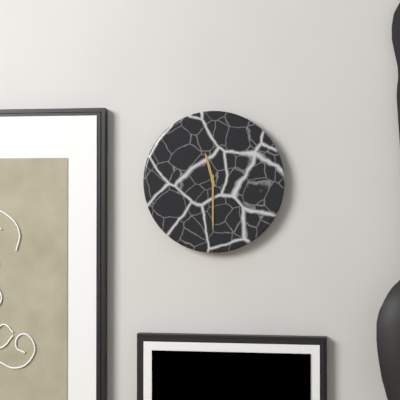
11:30
